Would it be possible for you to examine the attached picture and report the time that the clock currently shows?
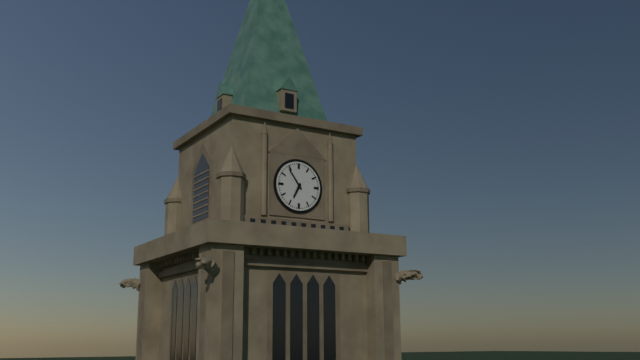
6:54
